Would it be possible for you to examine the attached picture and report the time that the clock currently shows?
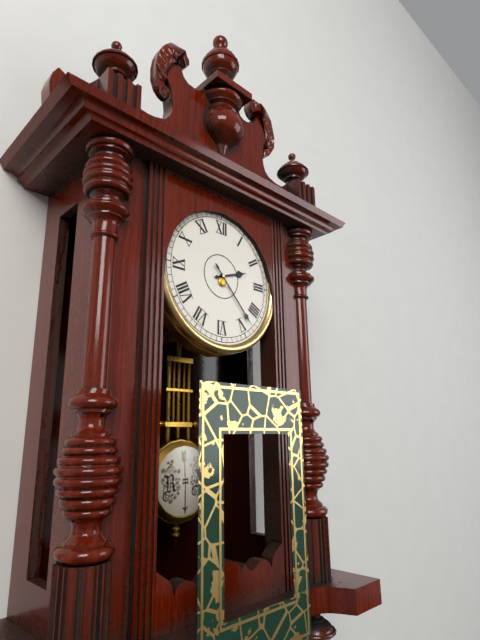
2:23
